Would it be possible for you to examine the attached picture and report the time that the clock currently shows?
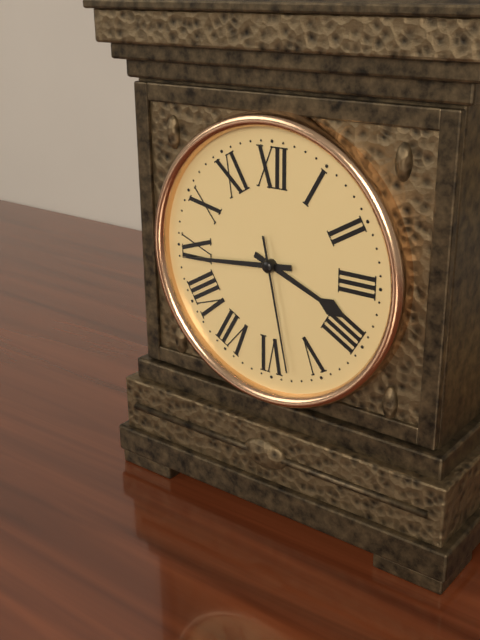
3:44:28
